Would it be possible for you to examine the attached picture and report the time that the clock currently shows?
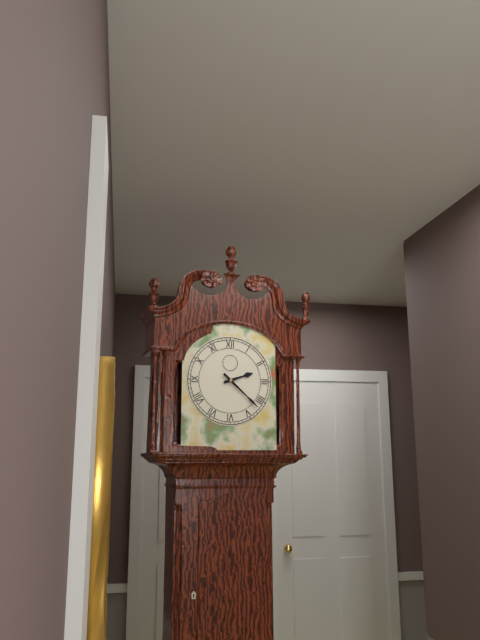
2:22
